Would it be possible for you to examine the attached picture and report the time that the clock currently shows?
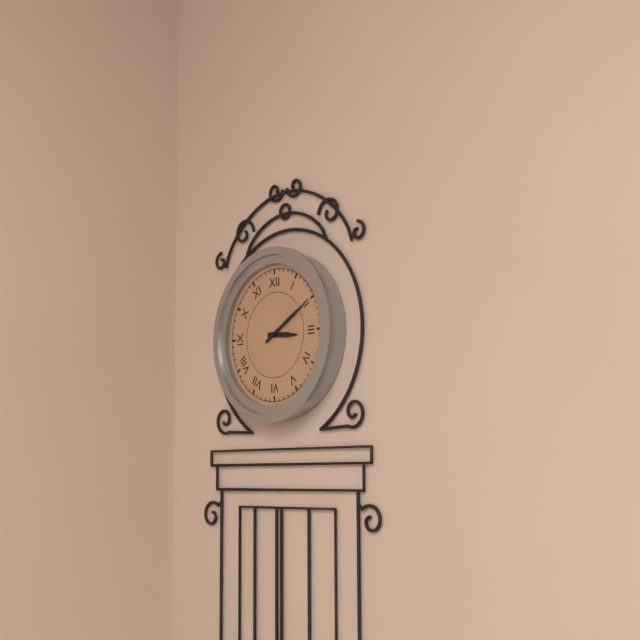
3:10
